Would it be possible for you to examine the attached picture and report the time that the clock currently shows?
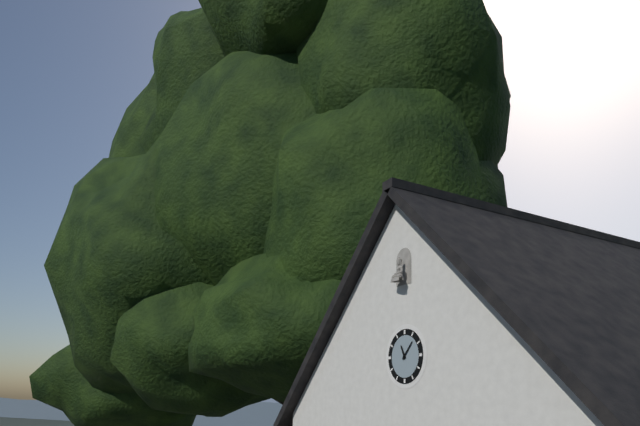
11:07
